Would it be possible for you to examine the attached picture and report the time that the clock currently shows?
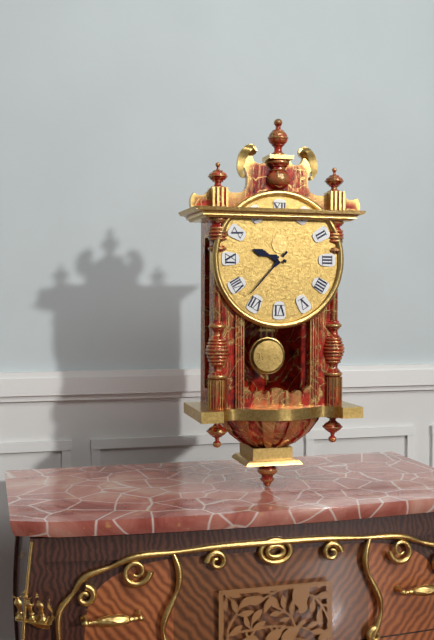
9:37
